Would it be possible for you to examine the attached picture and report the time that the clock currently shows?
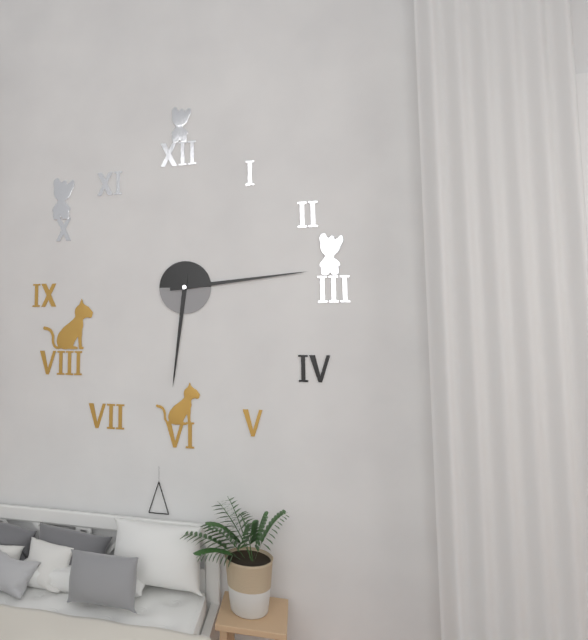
6:14
